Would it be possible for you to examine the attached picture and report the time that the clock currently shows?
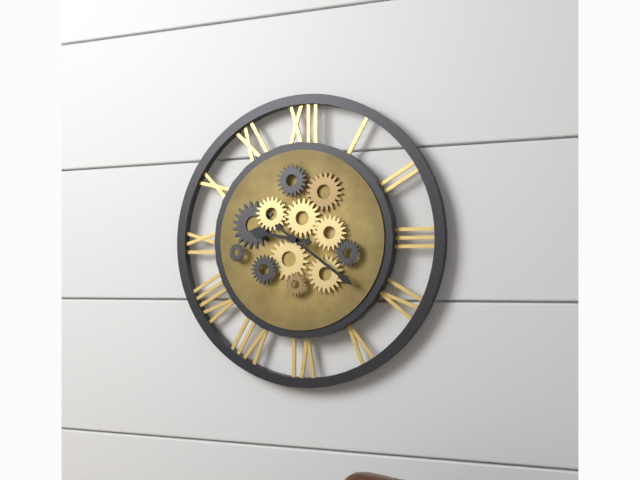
9:21
